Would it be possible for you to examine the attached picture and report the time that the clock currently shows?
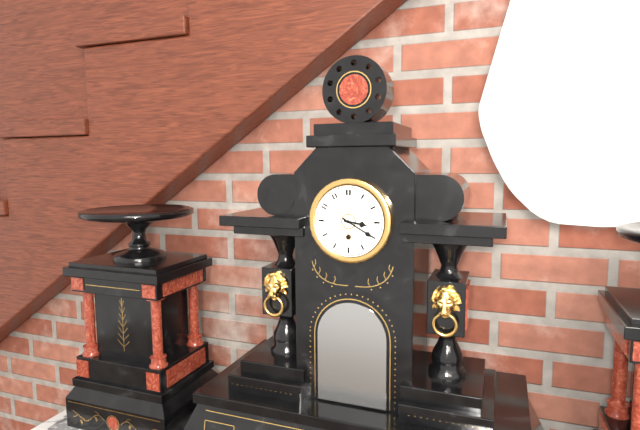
3:20
